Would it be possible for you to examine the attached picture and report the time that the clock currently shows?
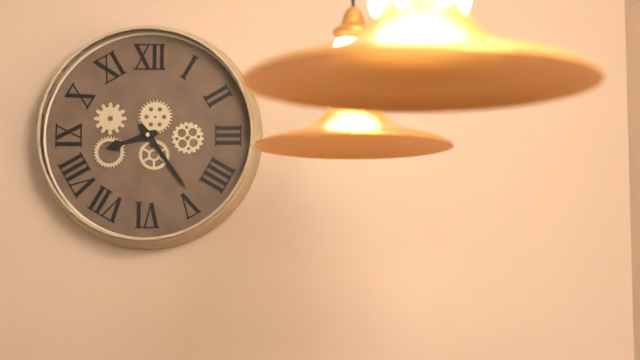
8:24
